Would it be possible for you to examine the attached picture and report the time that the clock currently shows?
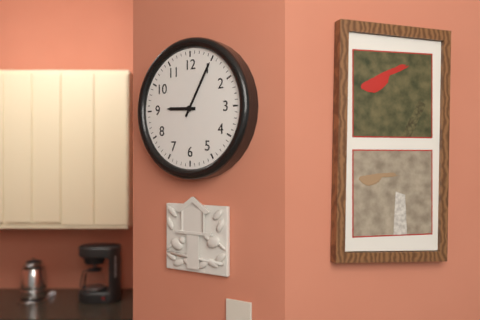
9:05
